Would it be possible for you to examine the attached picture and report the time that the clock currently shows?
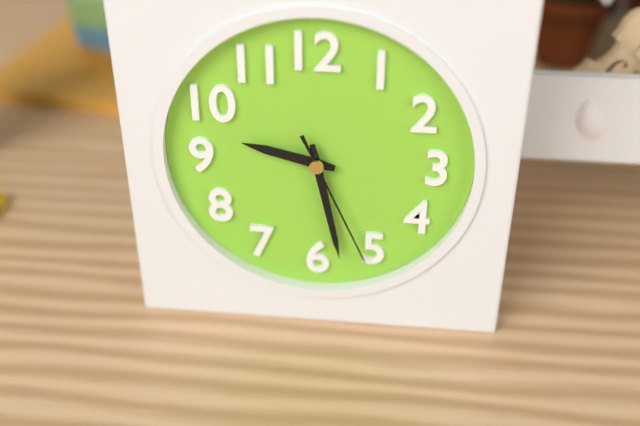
9:28:26
